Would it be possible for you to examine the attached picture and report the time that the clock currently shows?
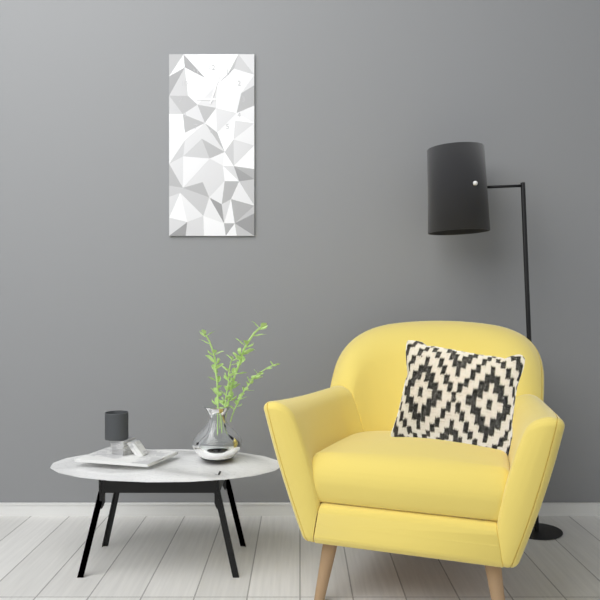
9:03
